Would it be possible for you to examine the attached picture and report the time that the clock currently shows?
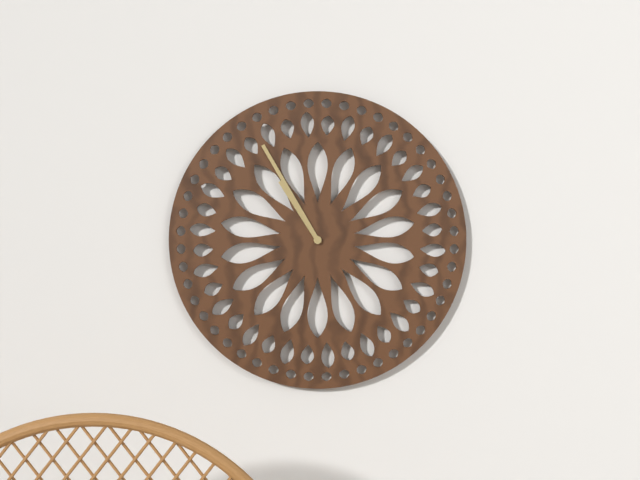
10:55
